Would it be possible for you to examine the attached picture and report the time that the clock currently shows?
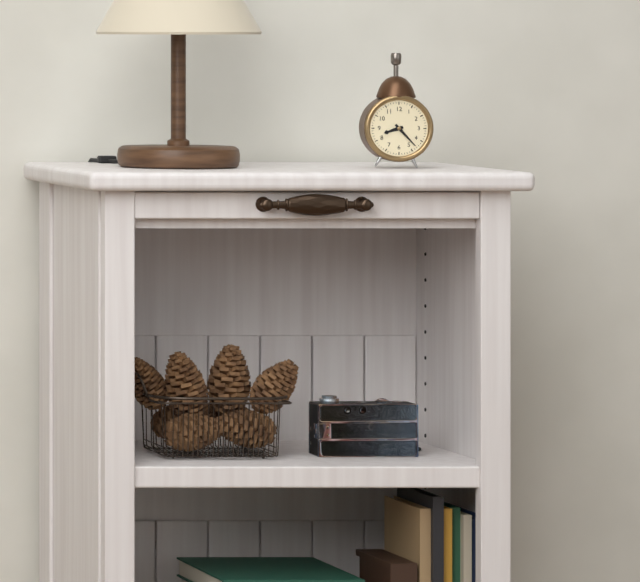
8:23
